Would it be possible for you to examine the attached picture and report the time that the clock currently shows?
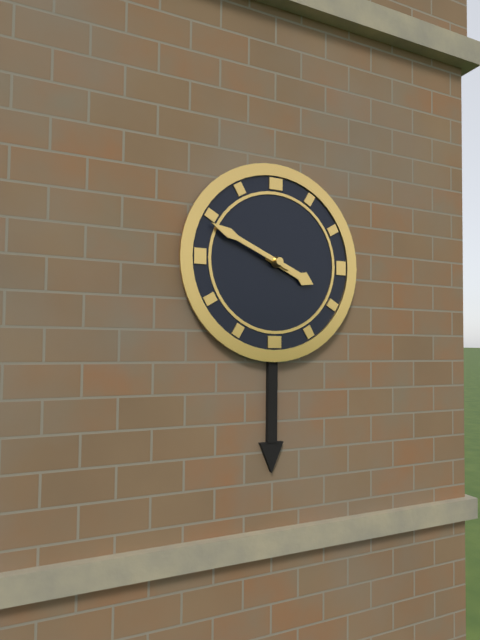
3:49
